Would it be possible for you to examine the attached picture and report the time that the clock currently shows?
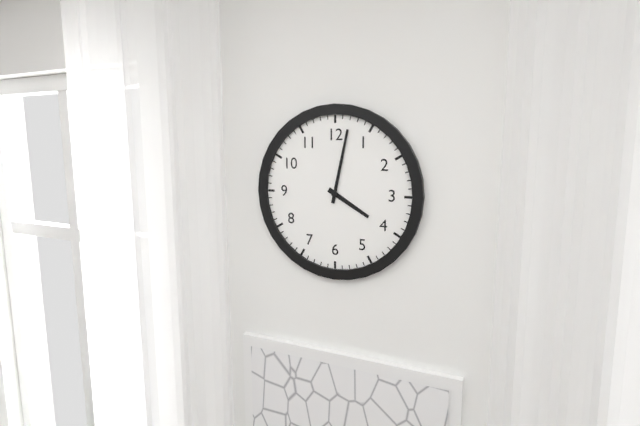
4:02
